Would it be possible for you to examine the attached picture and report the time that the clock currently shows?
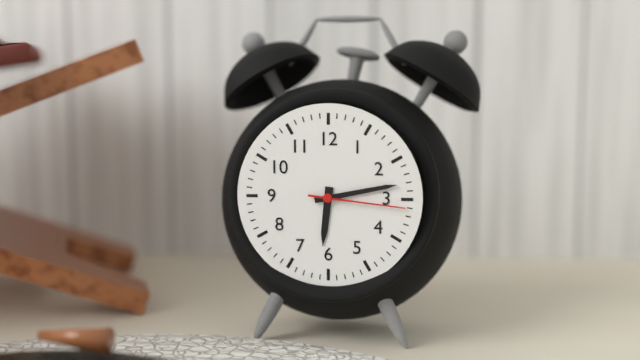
6:13:16
